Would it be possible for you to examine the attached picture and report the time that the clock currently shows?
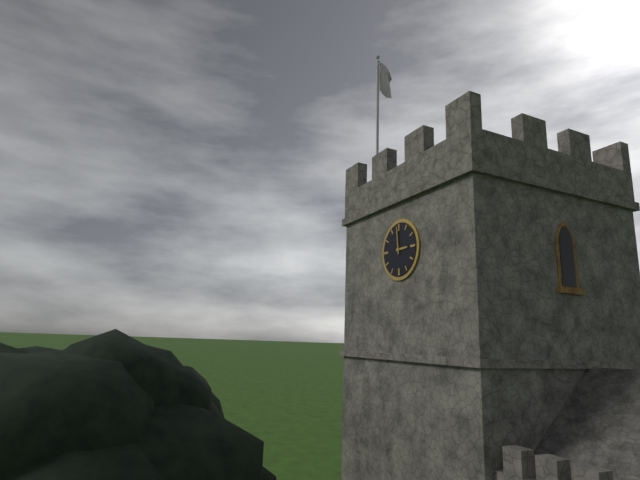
2:59
